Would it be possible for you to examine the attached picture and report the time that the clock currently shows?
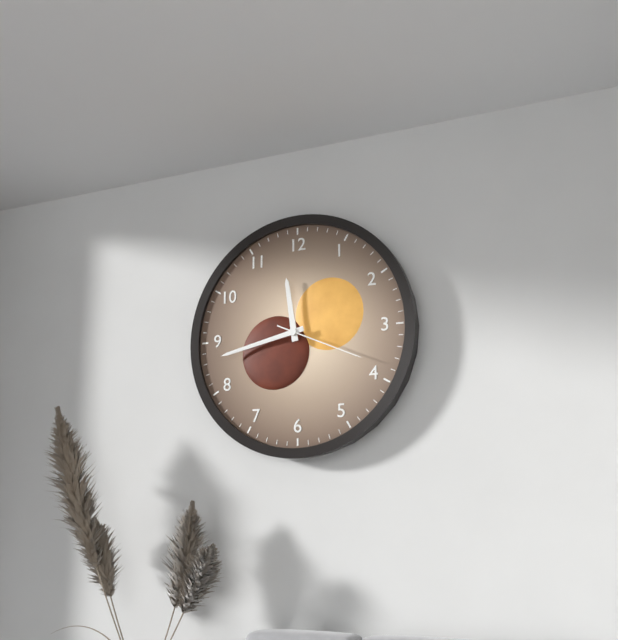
11:43:19
